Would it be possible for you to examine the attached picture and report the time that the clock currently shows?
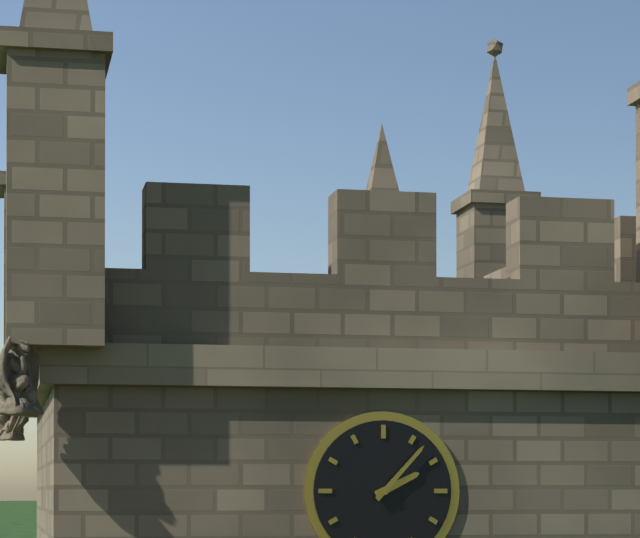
2:07
